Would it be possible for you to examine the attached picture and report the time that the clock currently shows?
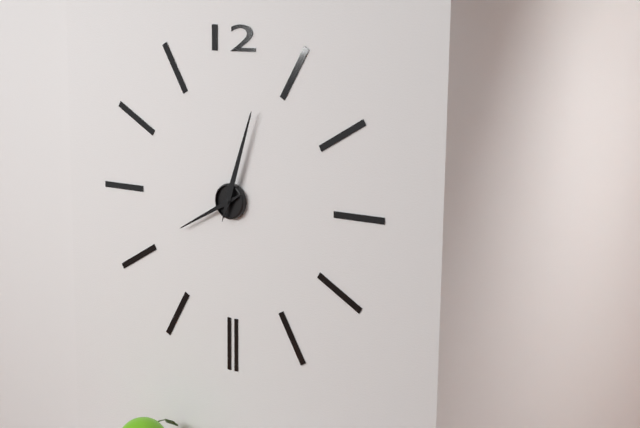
8:03
